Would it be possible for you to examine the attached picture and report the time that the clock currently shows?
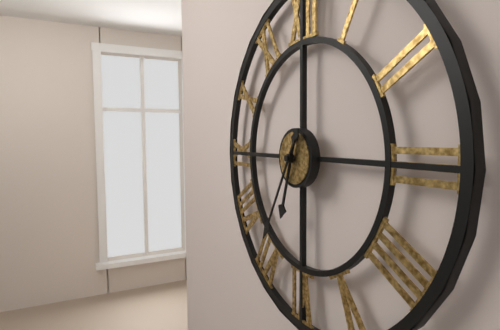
6:35
